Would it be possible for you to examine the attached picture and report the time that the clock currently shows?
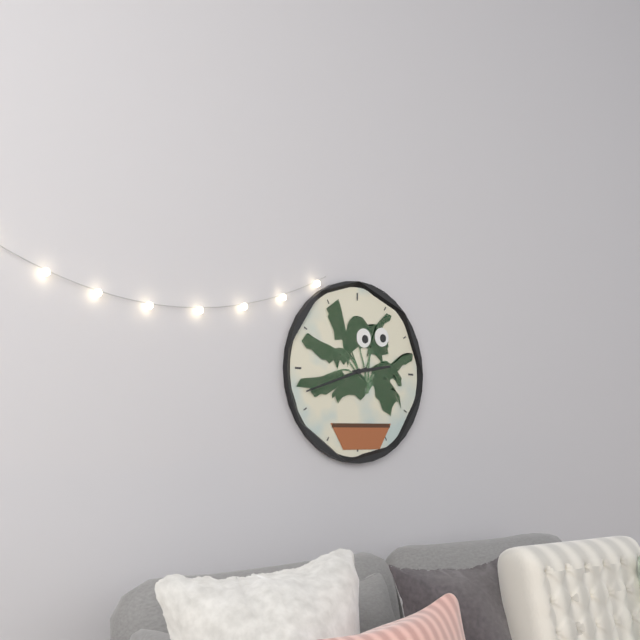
2:42
